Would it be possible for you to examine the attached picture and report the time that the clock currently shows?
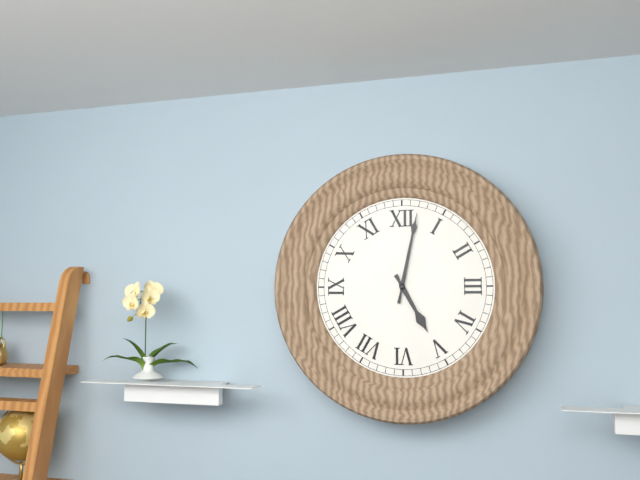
5:02
